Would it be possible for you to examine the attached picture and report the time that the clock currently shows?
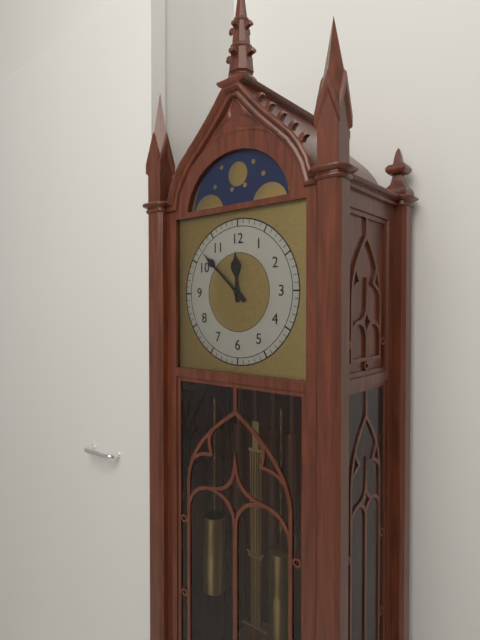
11:52
